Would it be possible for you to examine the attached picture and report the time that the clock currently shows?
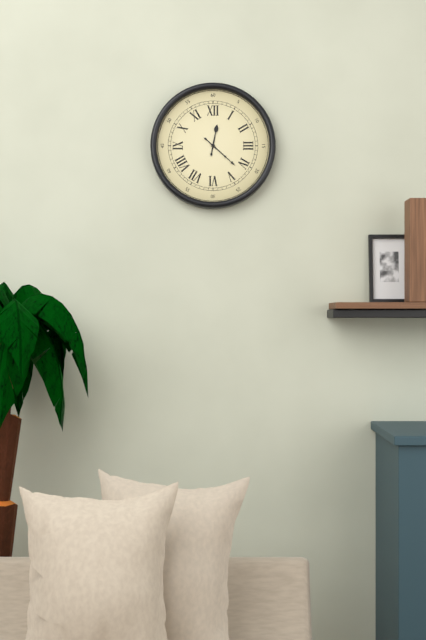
12:22
